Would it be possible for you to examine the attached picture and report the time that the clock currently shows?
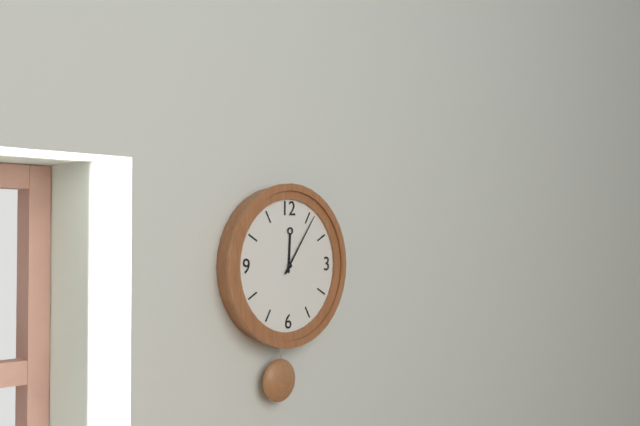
12:06
